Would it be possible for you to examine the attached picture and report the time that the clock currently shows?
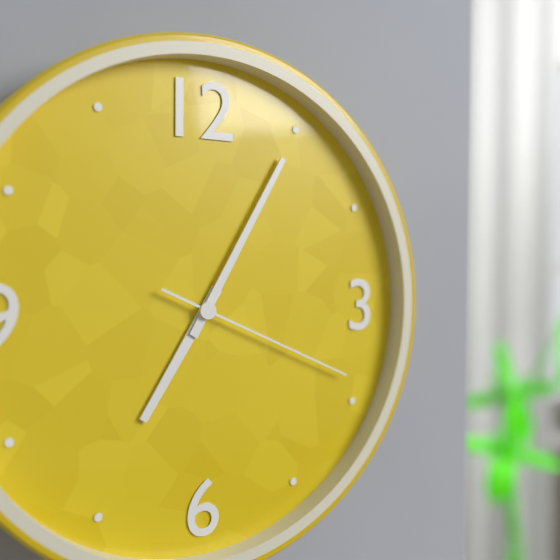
7:05:19
